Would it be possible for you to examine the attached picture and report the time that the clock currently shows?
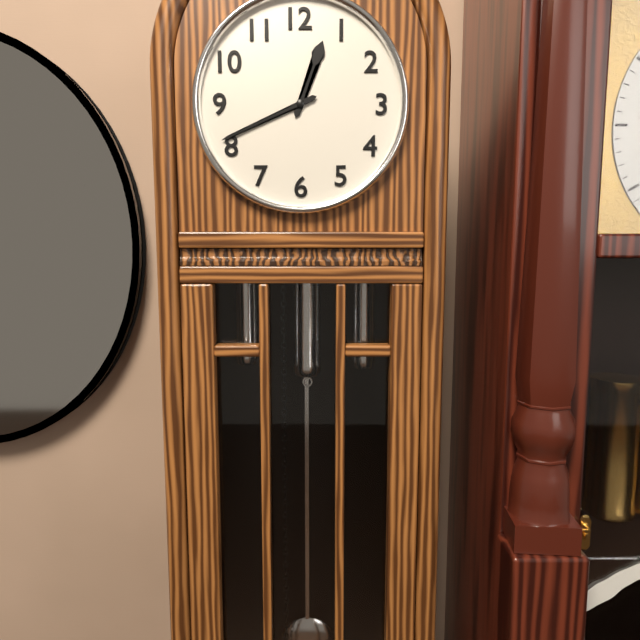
12:41
